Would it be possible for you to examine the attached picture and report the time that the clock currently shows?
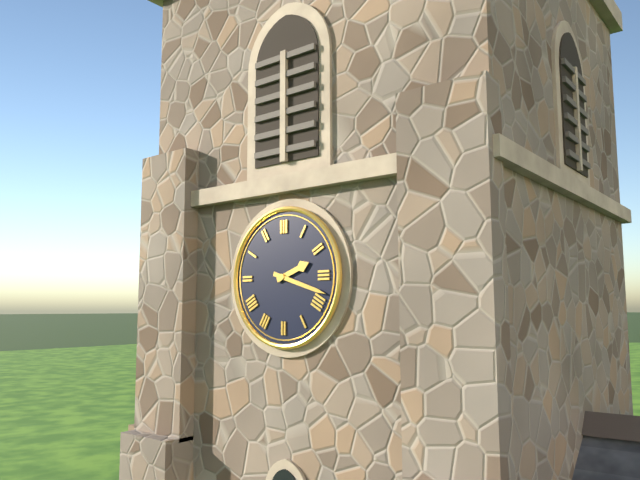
2:18
